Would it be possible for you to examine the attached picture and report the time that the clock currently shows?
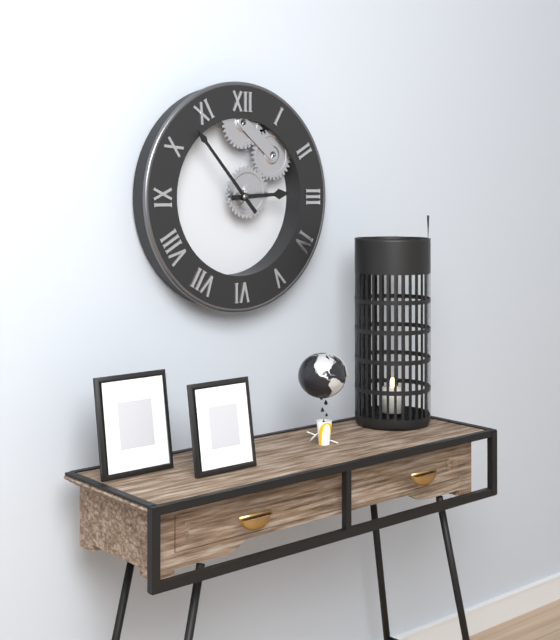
2:53
